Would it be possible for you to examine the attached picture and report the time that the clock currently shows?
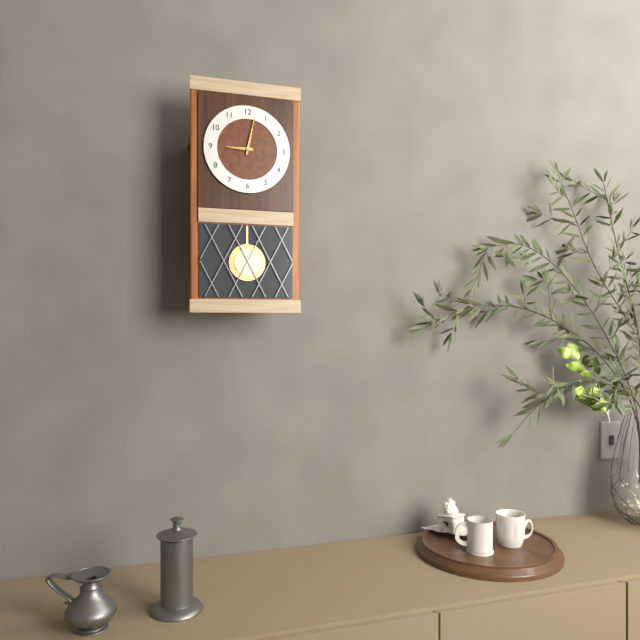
9:02
